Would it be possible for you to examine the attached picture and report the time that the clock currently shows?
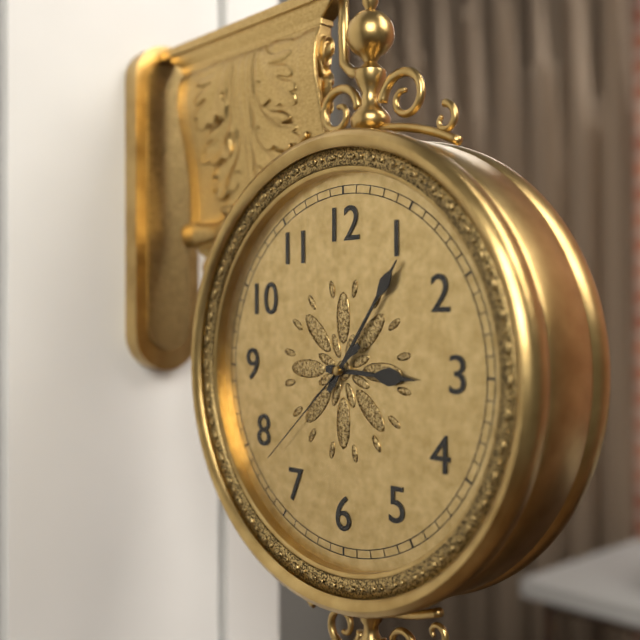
3:06:38
